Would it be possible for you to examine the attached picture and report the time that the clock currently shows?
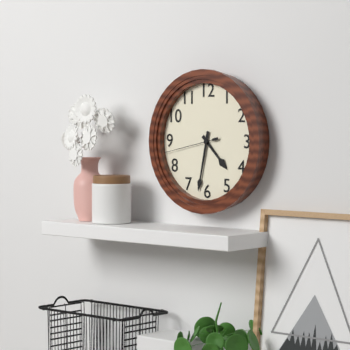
4:32:43
